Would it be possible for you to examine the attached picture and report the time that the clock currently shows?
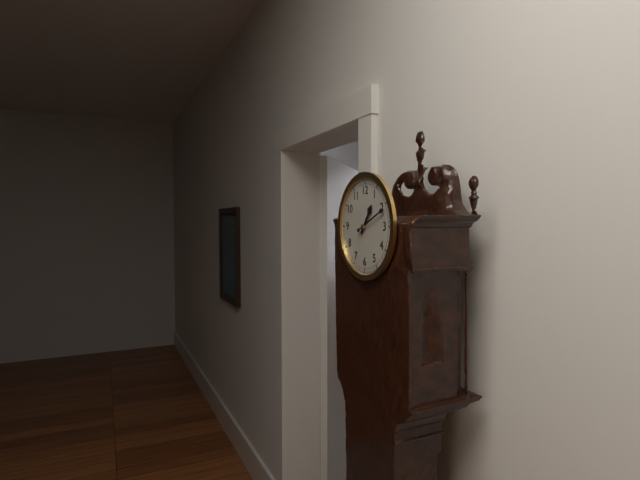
1:11
